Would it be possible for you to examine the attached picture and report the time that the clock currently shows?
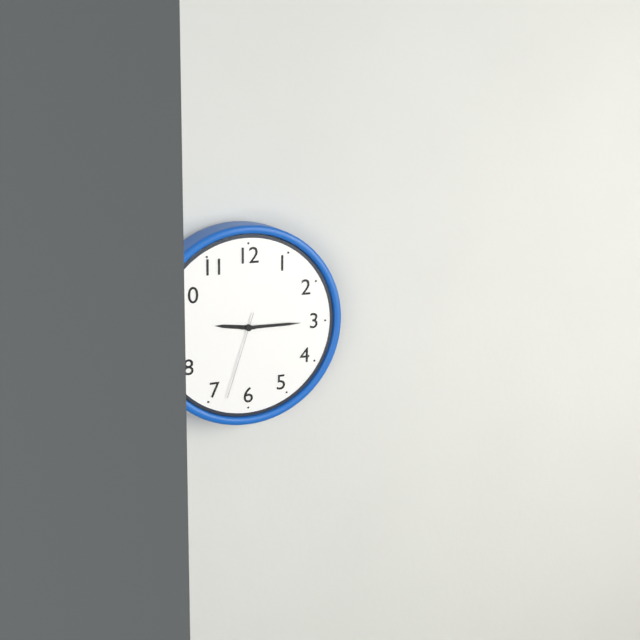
9:15:33
